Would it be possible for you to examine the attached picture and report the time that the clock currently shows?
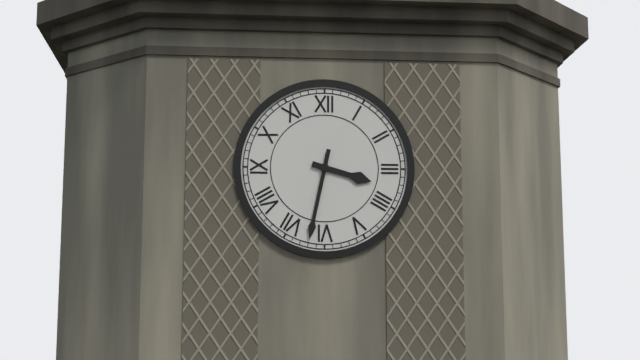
3:32
